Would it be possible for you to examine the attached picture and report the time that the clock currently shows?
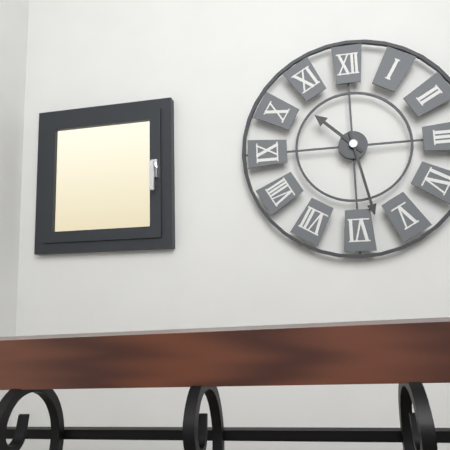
10:28
